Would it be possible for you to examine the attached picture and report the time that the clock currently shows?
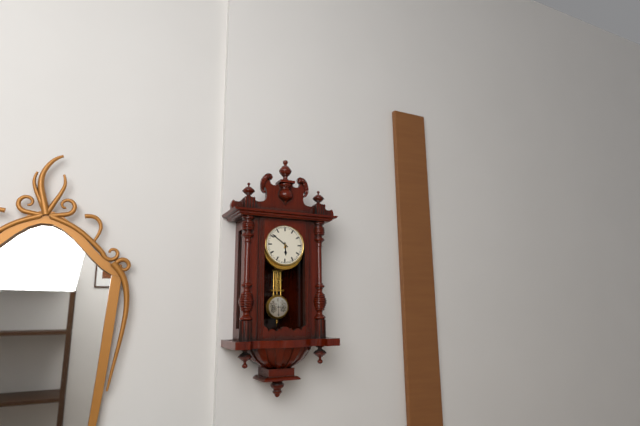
5:51
